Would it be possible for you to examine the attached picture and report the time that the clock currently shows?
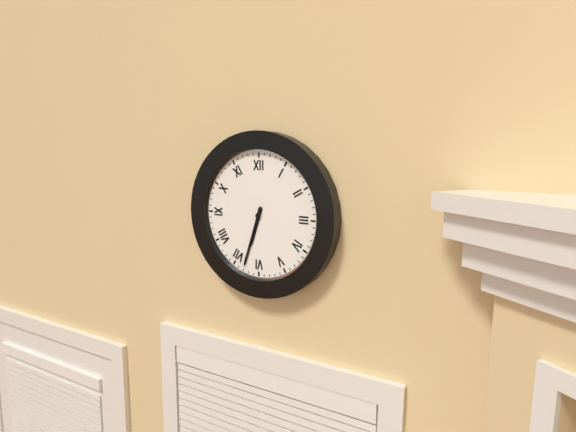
6:33
